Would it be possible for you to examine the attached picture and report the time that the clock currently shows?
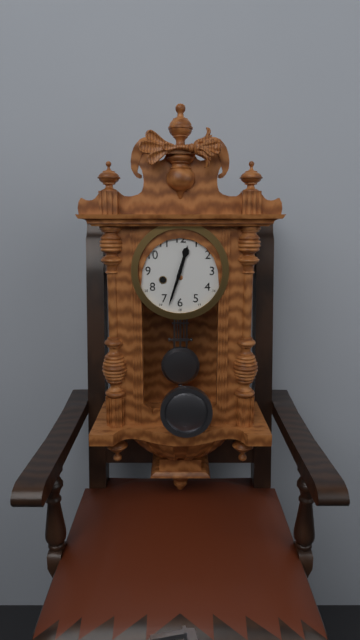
12:33
